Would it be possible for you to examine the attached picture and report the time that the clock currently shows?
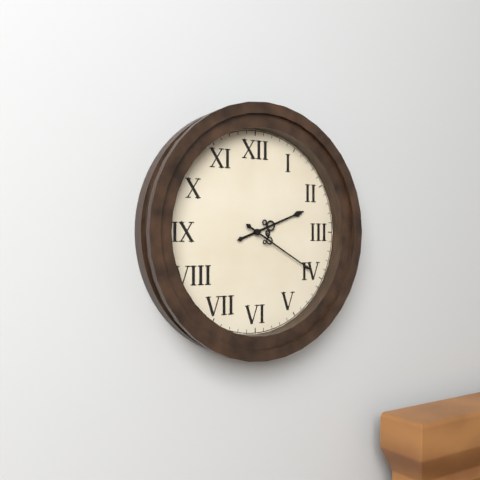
2:20
